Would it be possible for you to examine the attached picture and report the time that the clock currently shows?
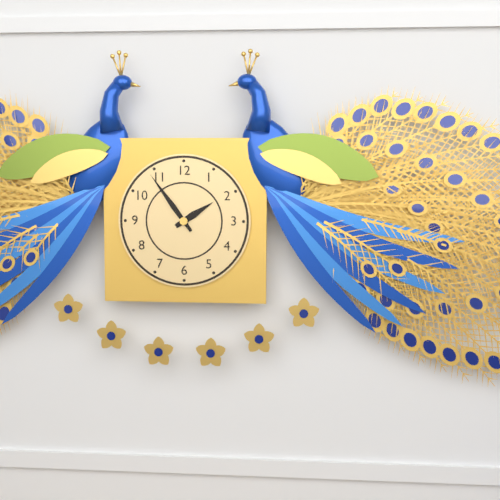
1:54
